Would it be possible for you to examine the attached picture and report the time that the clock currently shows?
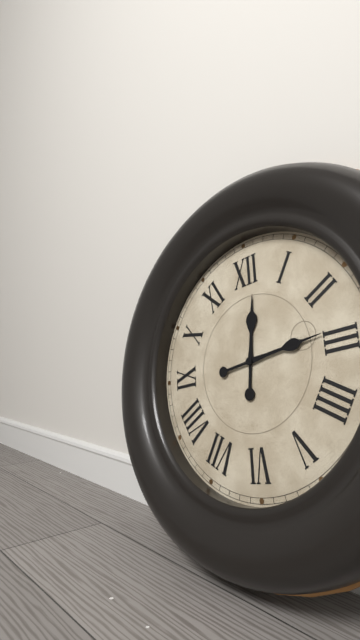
12:14
